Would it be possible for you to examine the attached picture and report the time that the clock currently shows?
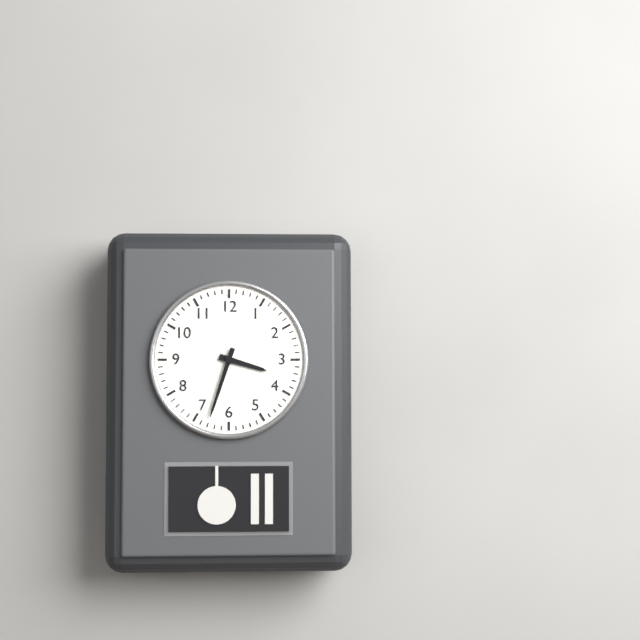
3:33
